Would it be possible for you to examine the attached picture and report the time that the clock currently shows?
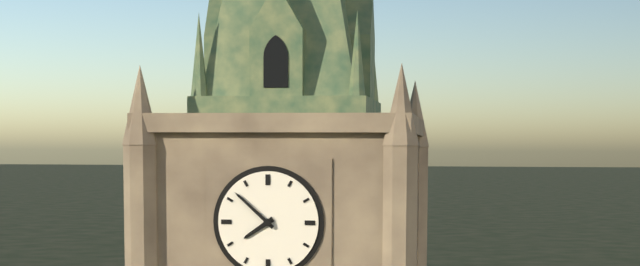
7:52
